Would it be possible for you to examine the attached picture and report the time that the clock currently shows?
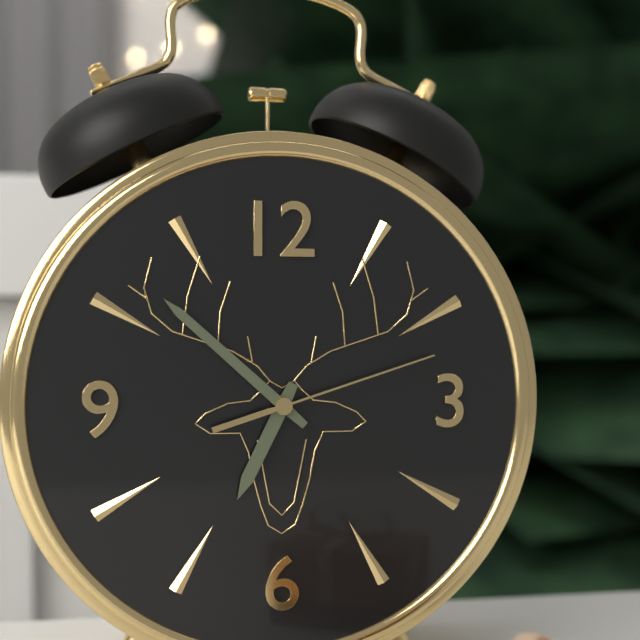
6:52:12
